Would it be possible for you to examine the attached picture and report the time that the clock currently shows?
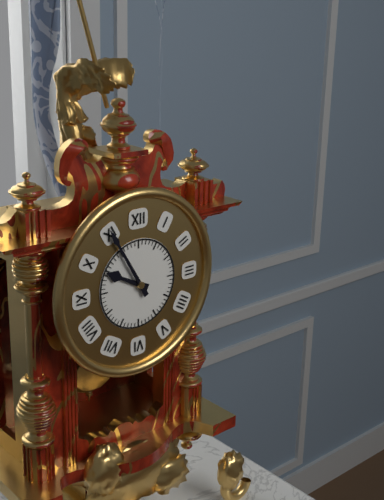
9:55
